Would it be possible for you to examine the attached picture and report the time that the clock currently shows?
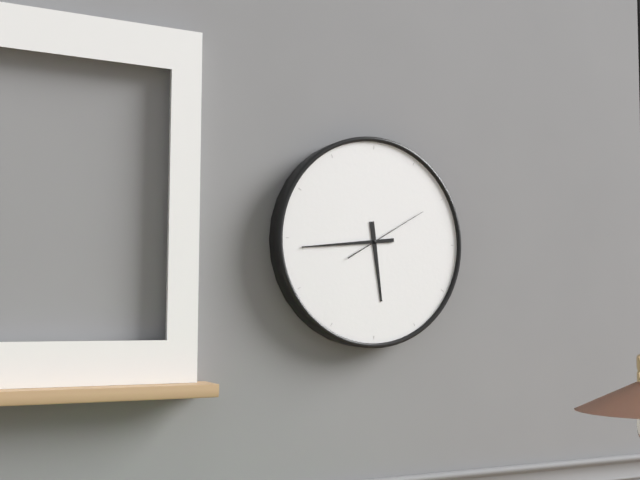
5:44:10
